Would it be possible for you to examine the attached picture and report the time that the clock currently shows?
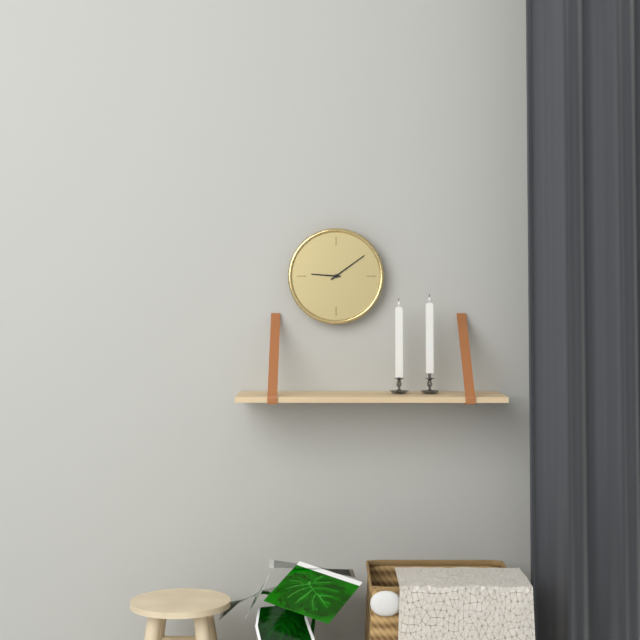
9:09
